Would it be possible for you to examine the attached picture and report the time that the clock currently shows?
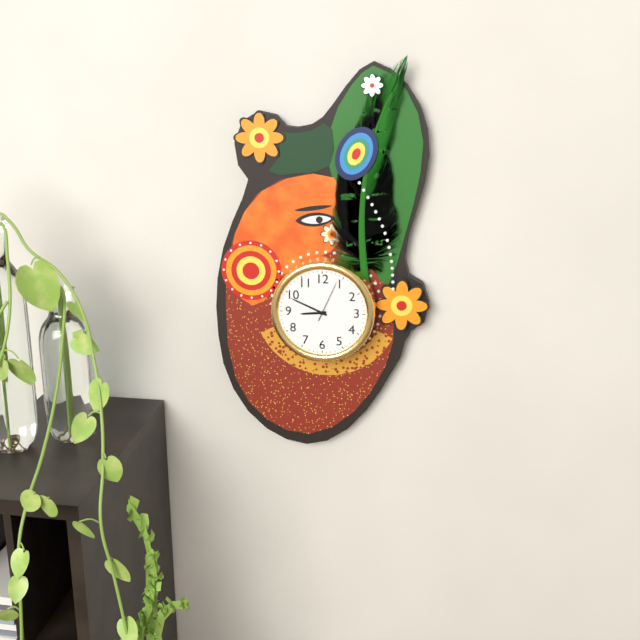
8:49
